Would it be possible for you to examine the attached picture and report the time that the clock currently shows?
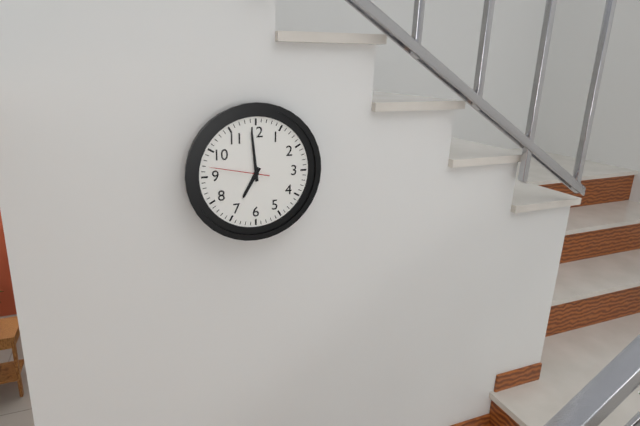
6:59:47
